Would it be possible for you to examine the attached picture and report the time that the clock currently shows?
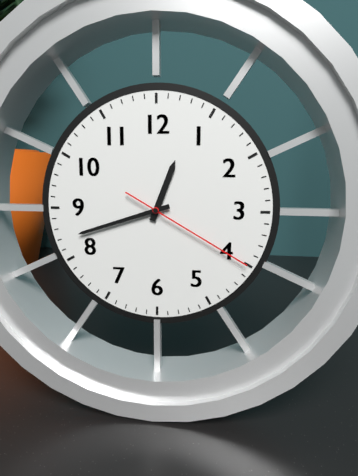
12:42:20
